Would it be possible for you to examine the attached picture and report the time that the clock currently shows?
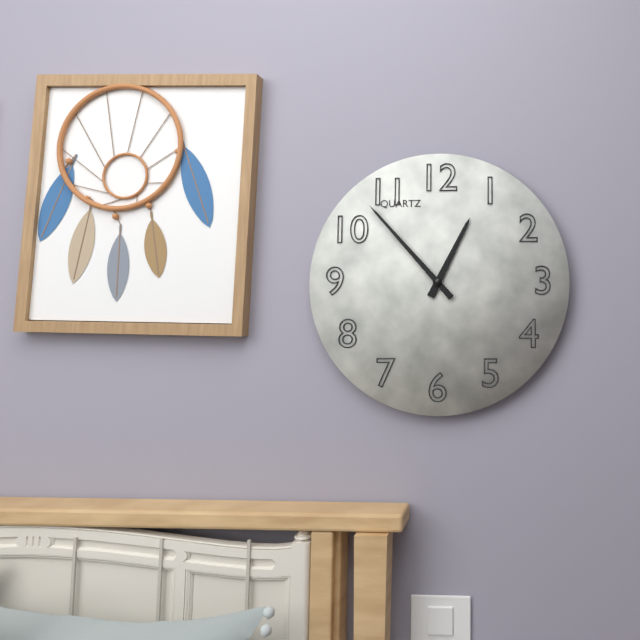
12:53
